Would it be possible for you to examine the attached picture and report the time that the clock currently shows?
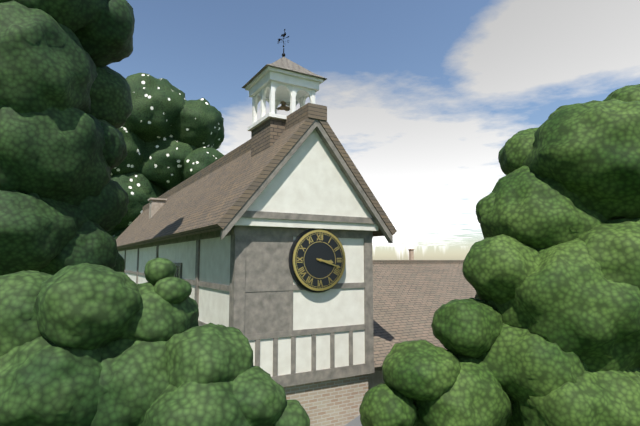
3:18
